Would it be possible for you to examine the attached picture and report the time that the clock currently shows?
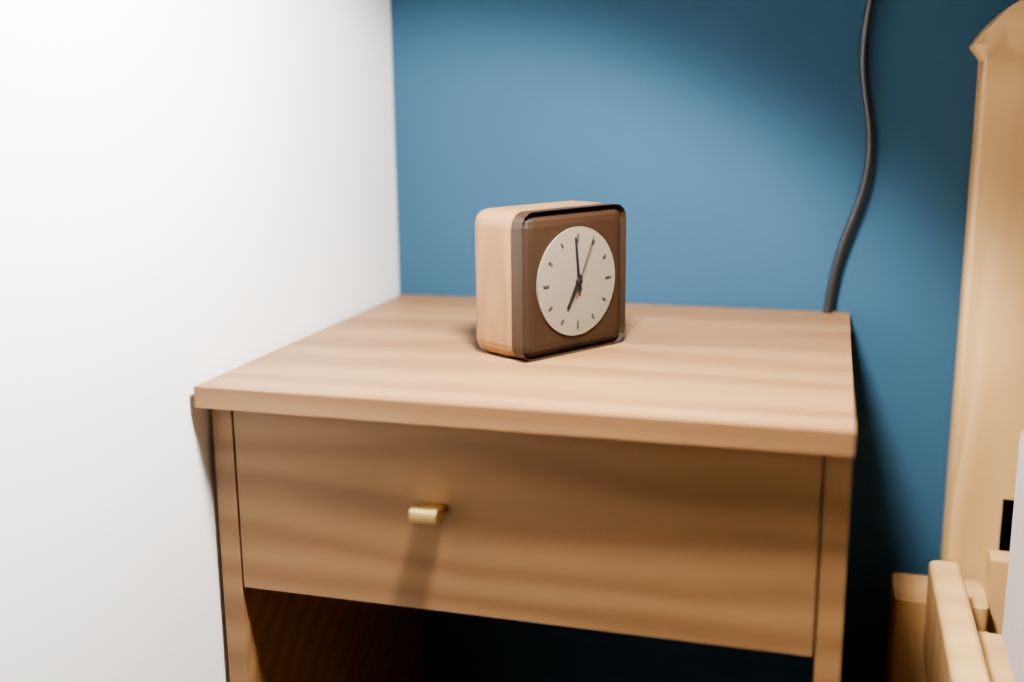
6:59:04
